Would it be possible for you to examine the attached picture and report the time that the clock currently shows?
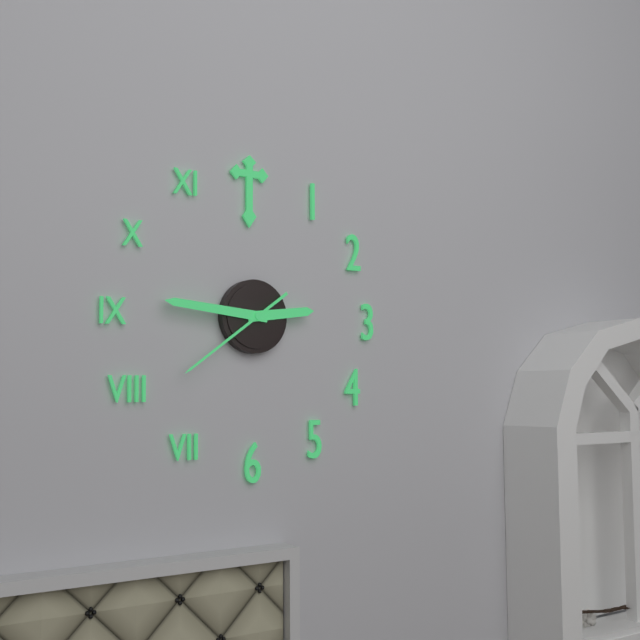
2:46:39
